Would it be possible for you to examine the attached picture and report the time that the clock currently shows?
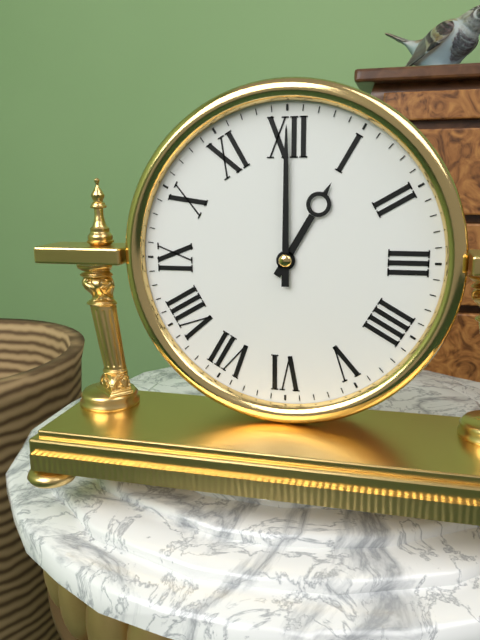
1:00
